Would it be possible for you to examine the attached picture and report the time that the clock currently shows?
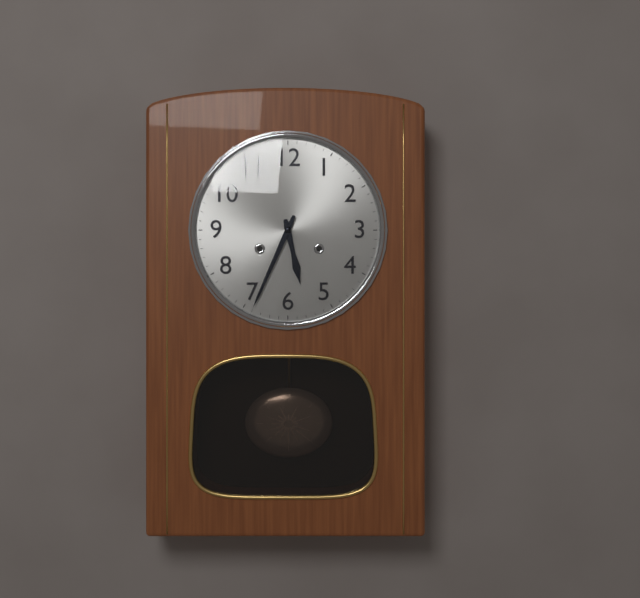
5:34
